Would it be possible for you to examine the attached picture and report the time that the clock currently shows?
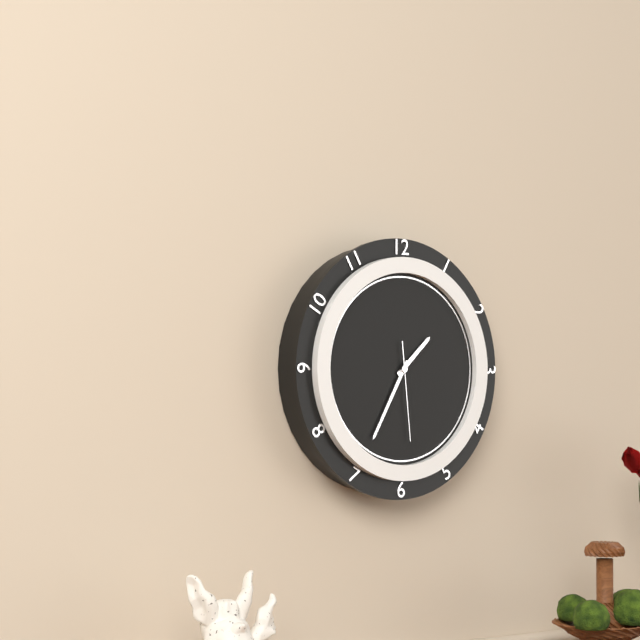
1:35:29
